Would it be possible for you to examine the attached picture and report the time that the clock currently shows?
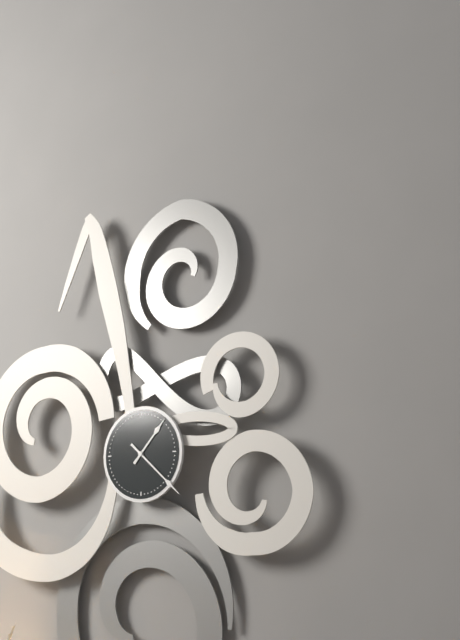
1:22
